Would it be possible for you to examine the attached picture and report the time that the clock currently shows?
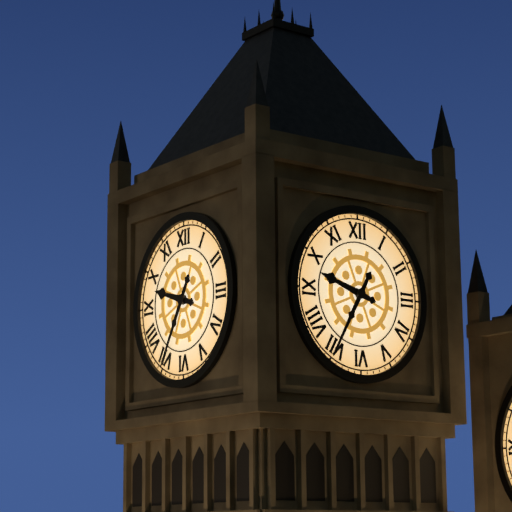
9:35
